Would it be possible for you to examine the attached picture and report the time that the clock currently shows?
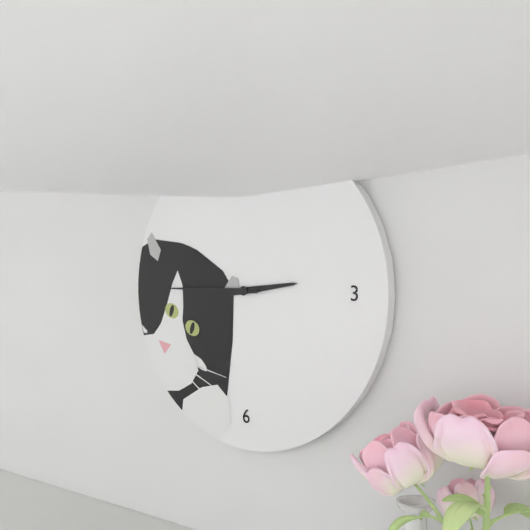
2:45
